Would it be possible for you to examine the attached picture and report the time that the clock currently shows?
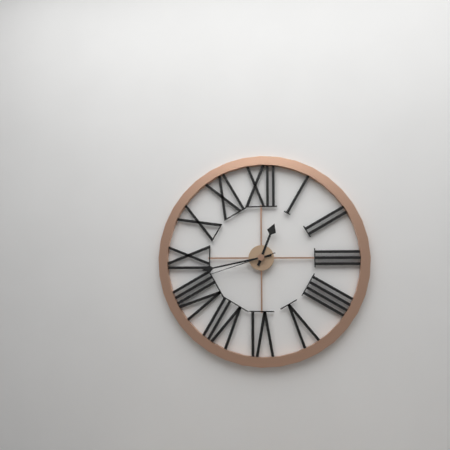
12:43:42
